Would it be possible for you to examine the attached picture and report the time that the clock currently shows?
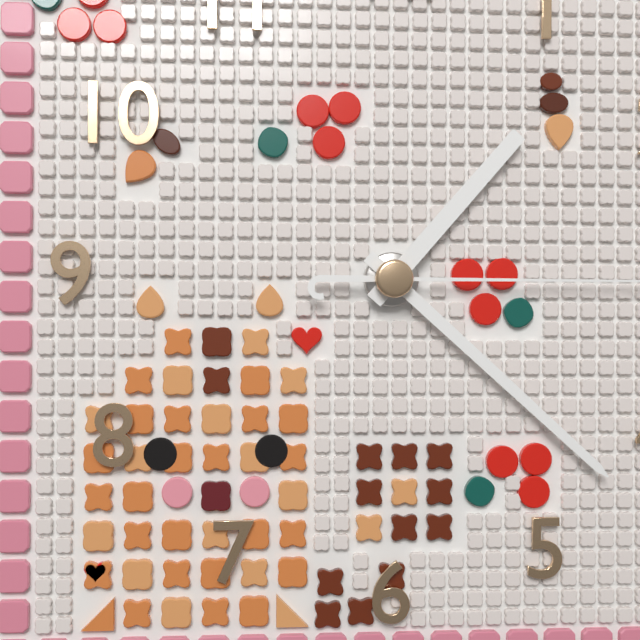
1:22
